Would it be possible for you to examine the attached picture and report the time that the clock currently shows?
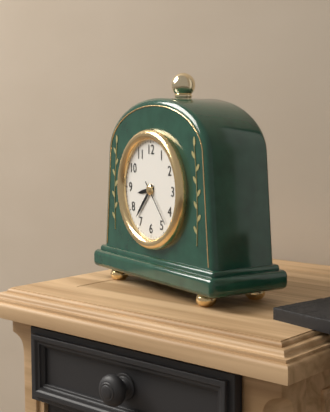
8:37:23
